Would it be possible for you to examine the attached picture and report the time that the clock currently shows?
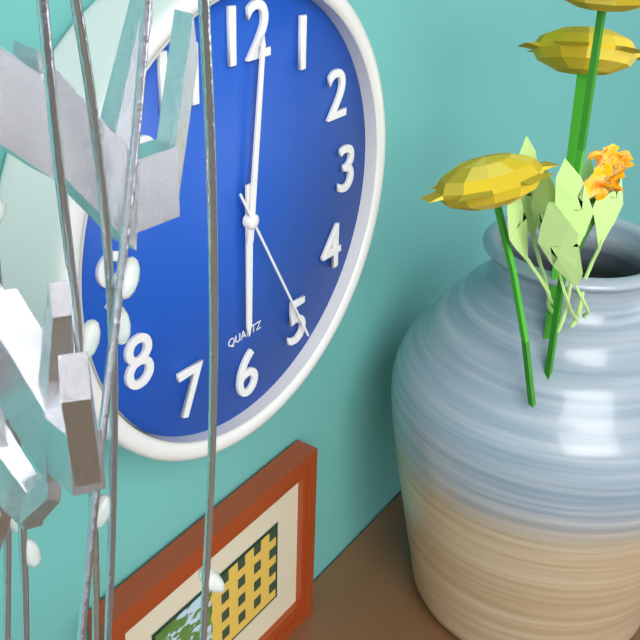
6:01:25
